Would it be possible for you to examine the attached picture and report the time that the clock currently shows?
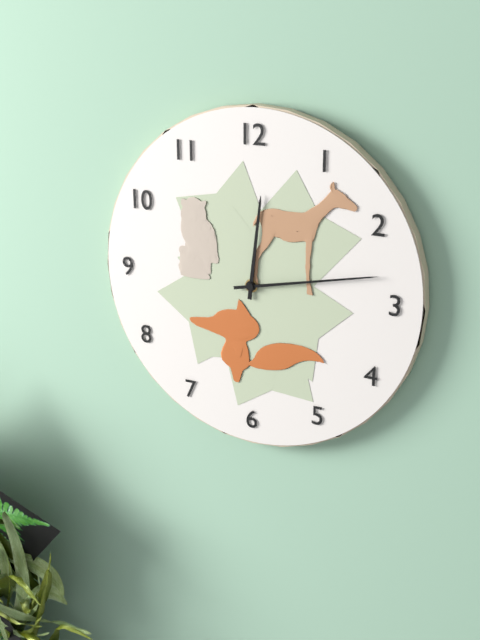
12:13
